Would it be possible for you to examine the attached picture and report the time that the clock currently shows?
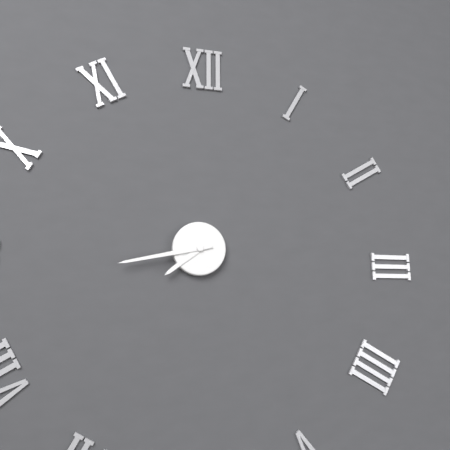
7:43
